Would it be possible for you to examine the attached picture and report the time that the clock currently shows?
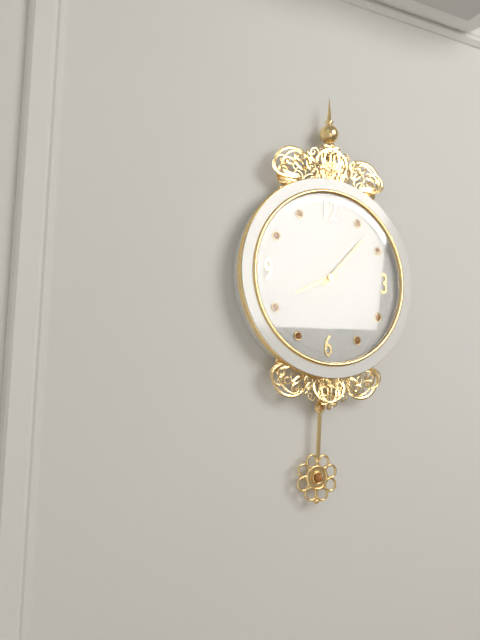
8:07
